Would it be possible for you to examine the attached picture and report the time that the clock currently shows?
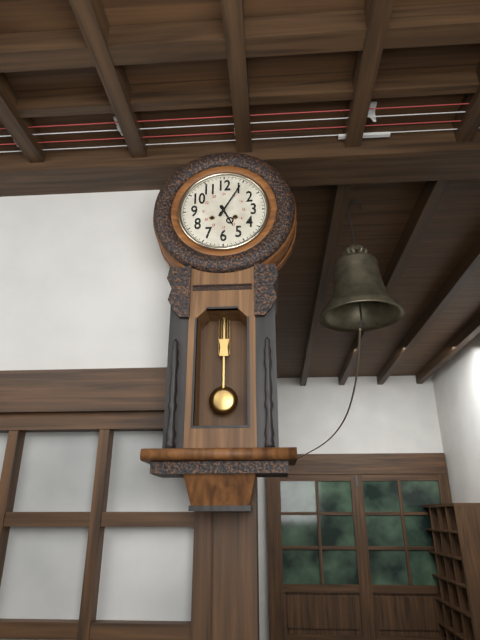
5:05
